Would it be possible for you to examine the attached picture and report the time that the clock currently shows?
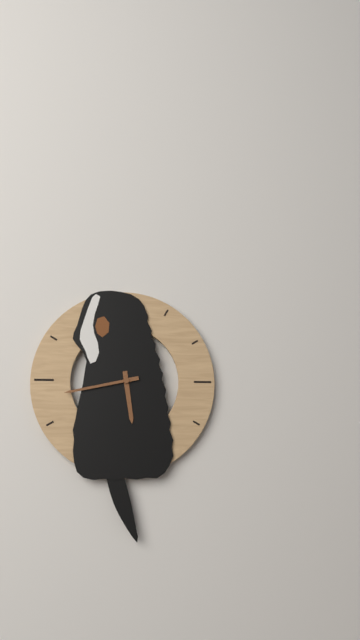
5:43
